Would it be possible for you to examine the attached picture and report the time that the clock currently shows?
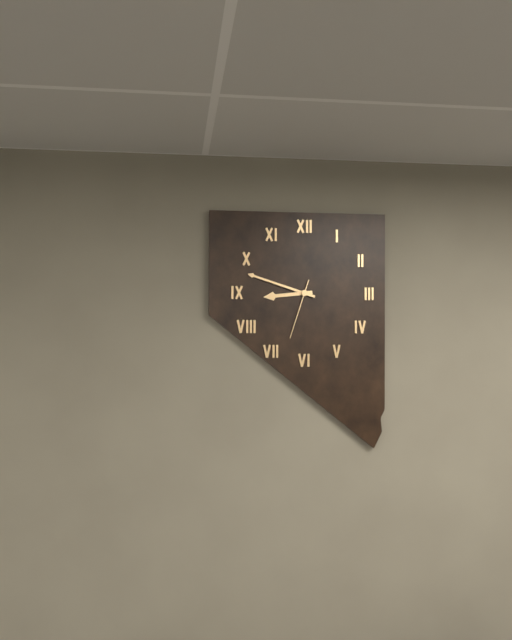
8:48:33
